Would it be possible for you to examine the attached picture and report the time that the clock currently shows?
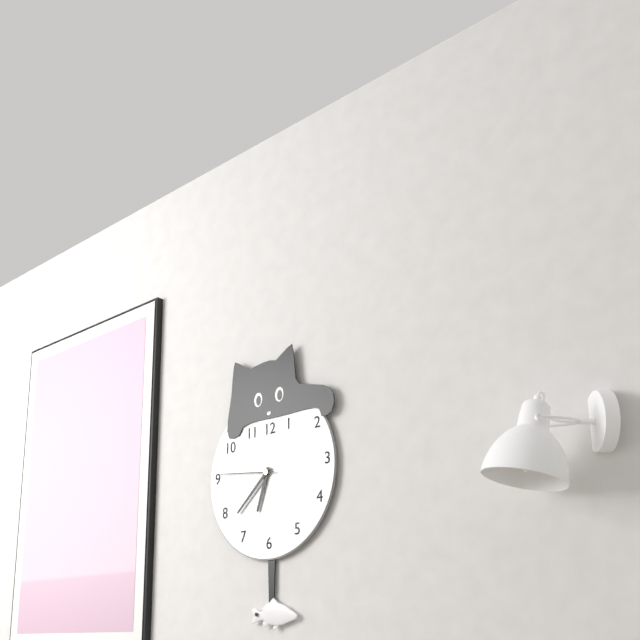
6:38:46
